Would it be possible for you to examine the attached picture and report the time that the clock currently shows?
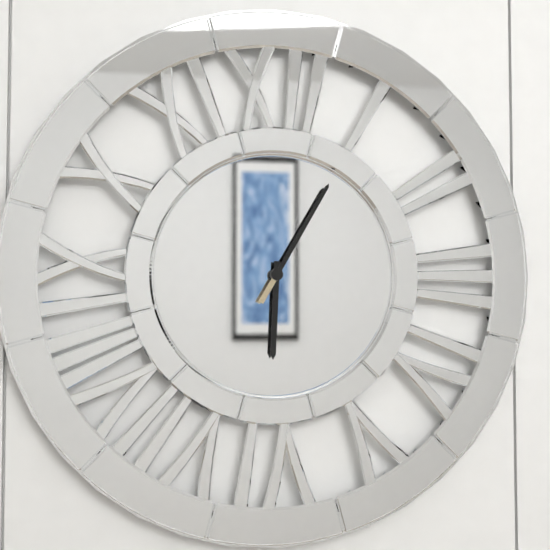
6:05
